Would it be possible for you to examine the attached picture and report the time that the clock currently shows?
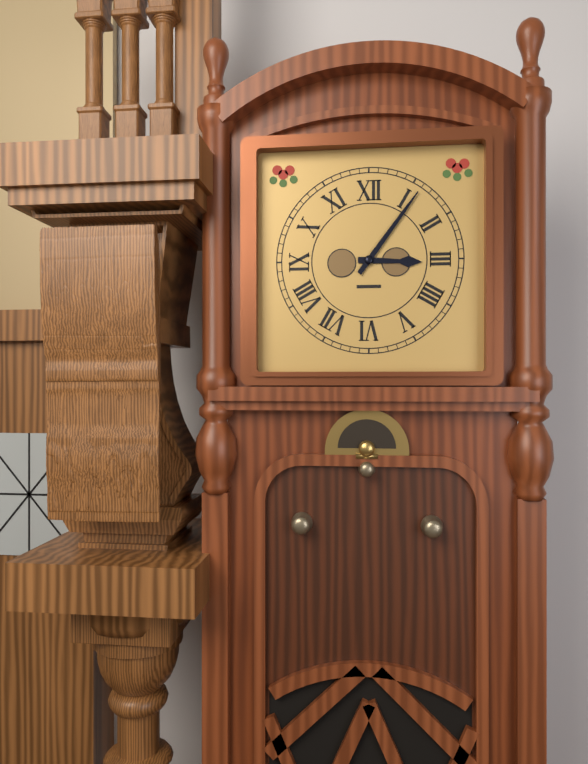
3:06
